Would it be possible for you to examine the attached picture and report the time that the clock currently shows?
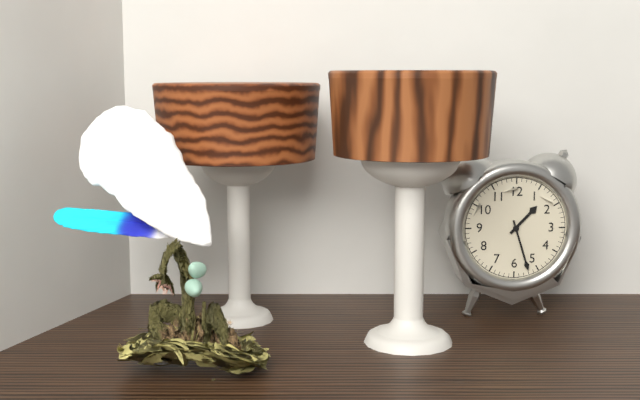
1:27
